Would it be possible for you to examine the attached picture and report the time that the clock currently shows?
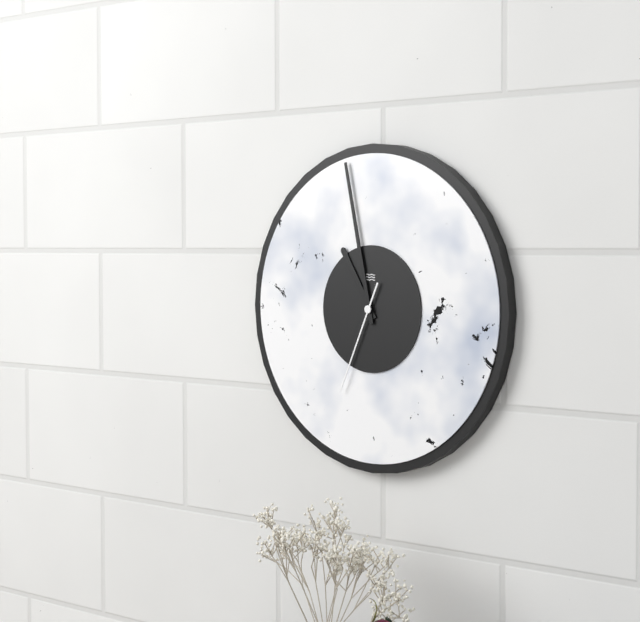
10:58:34
